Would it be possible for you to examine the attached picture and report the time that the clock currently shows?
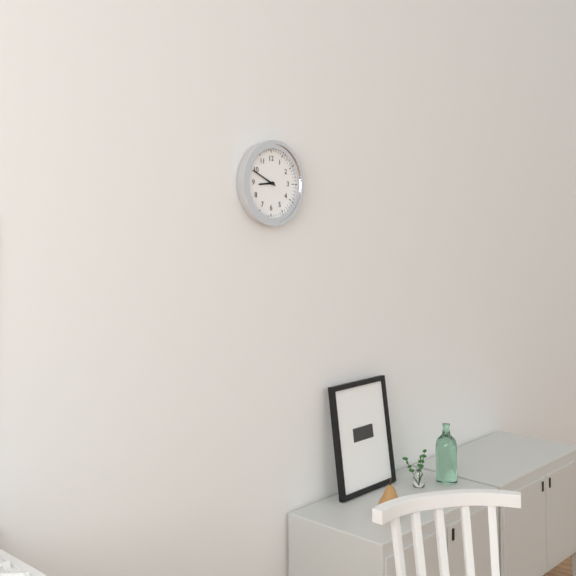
8:49
